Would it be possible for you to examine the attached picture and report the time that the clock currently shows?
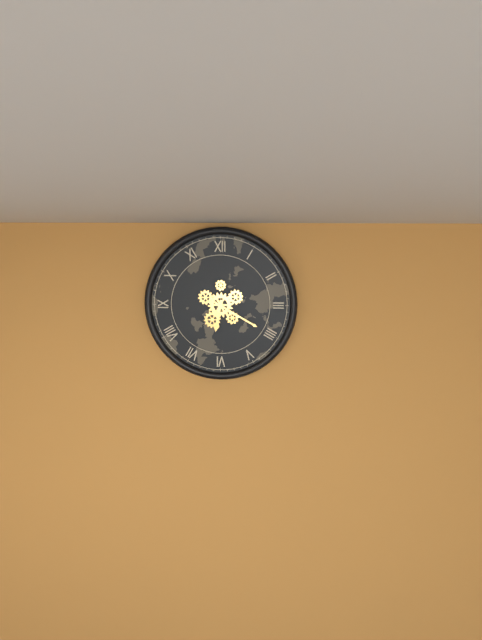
6:20
